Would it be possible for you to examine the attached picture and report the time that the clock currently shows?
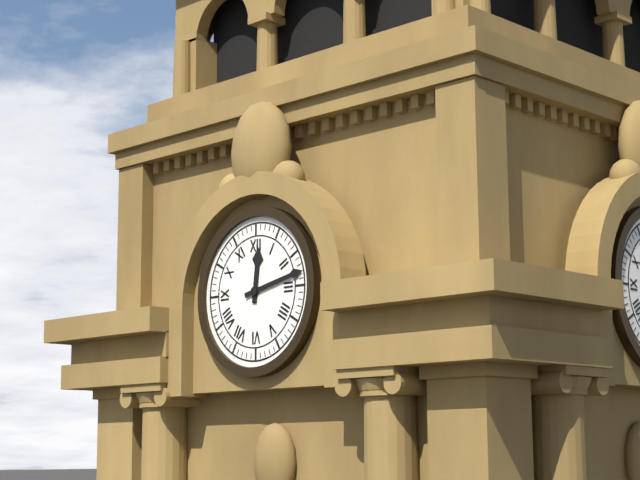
12:13
